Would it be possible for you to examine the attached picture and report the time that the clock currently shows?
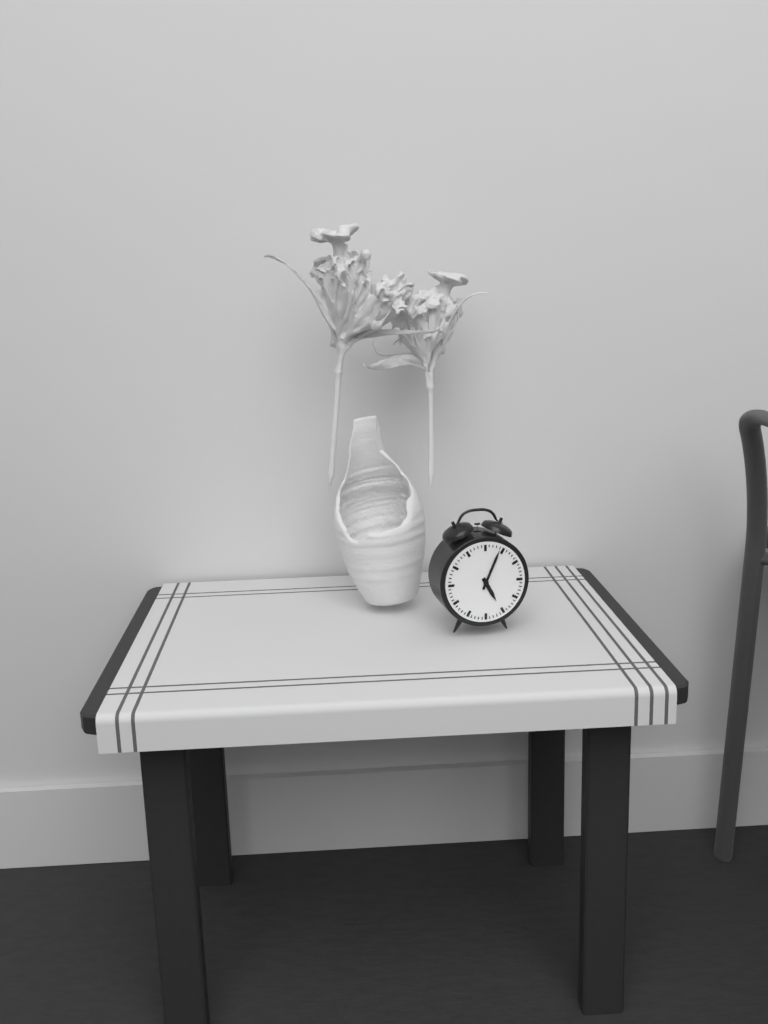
5:04
